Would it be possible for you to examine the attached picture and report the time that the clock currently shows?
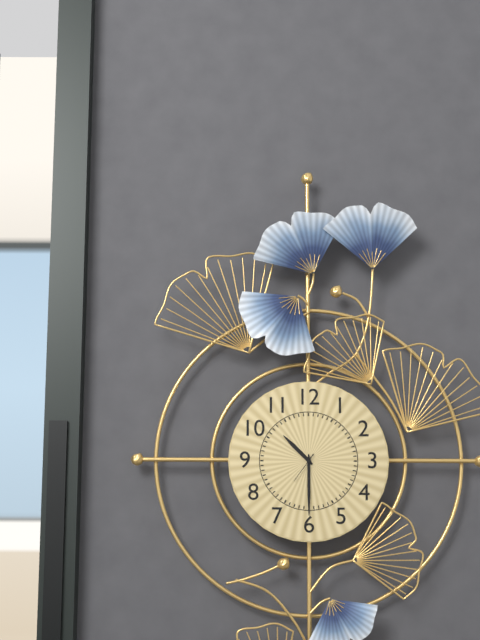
10:30
